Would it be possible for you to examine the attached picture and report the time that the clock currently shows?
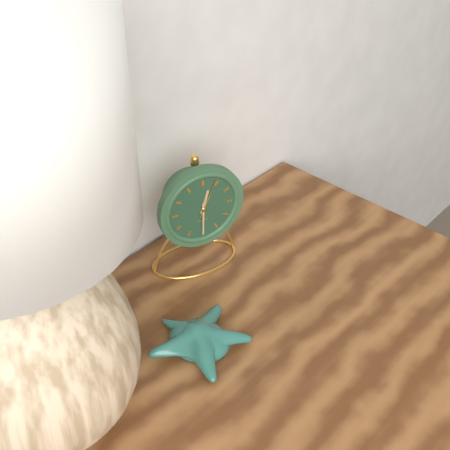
12:30
